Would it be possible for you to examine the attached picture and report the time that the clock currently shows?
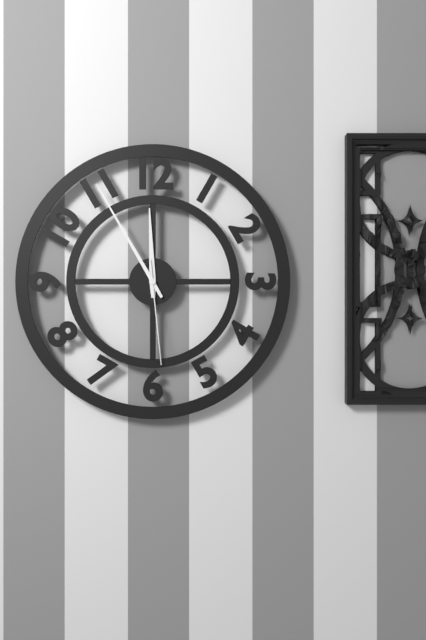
11:55:29
